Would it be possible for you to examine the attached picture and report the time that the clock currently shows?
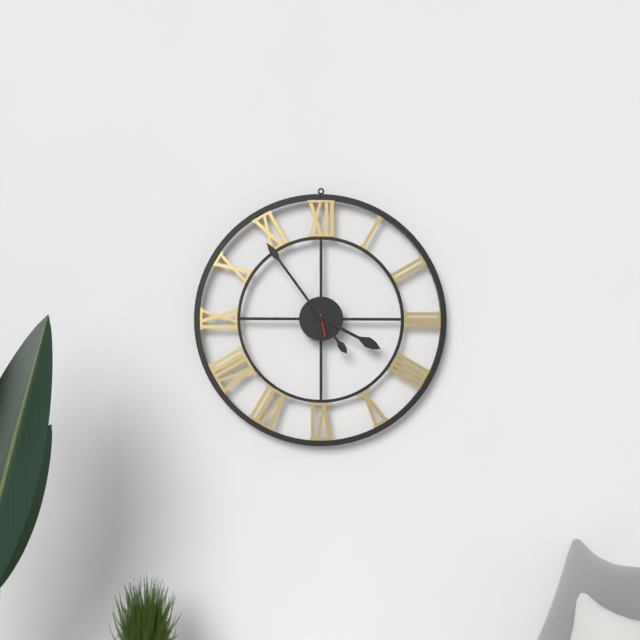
3:54
